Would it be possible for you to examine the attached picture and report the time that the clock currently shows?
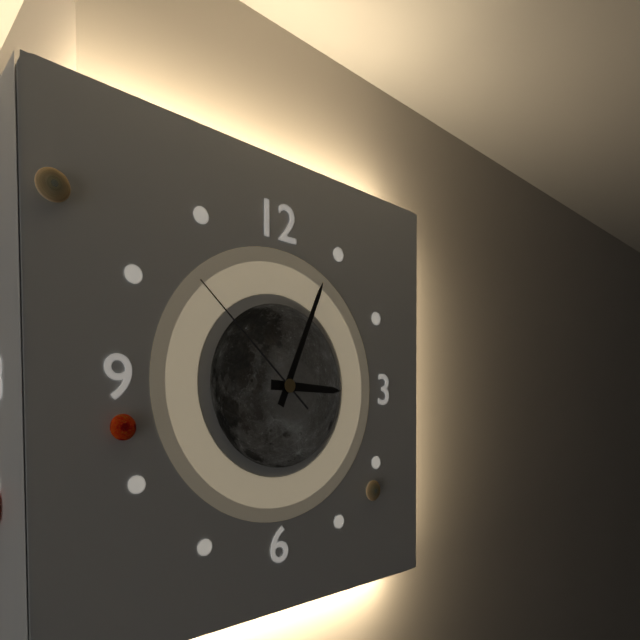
3:04:52
